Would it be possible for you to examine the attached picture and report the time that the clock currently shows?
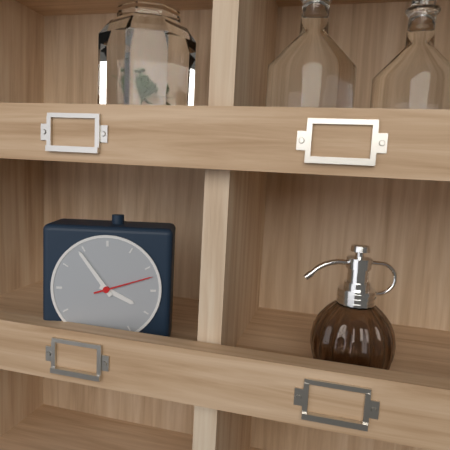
3:54:12
